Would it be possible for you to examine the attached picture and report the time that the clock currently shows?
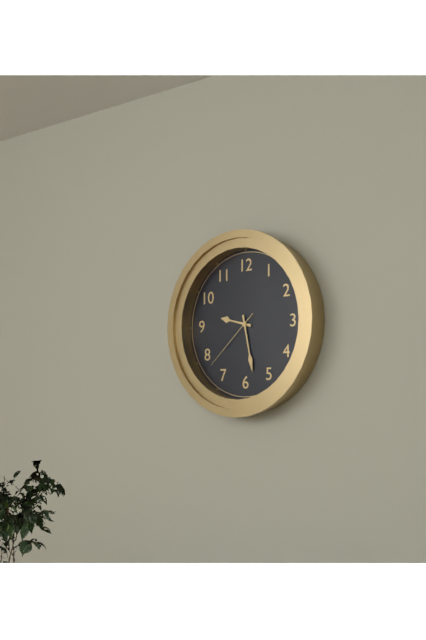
9:28:38
